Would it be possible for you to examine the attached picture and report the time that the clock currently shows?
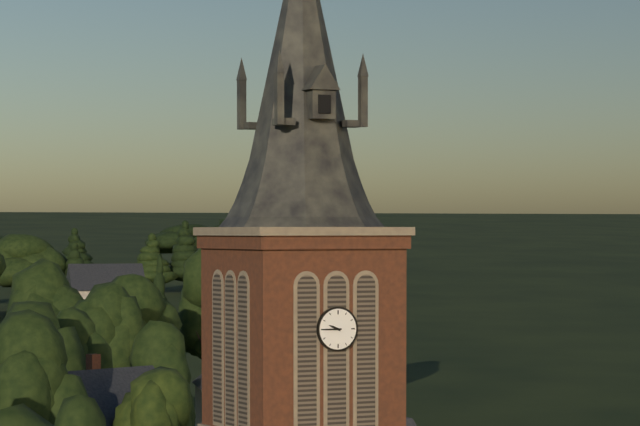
9:45
